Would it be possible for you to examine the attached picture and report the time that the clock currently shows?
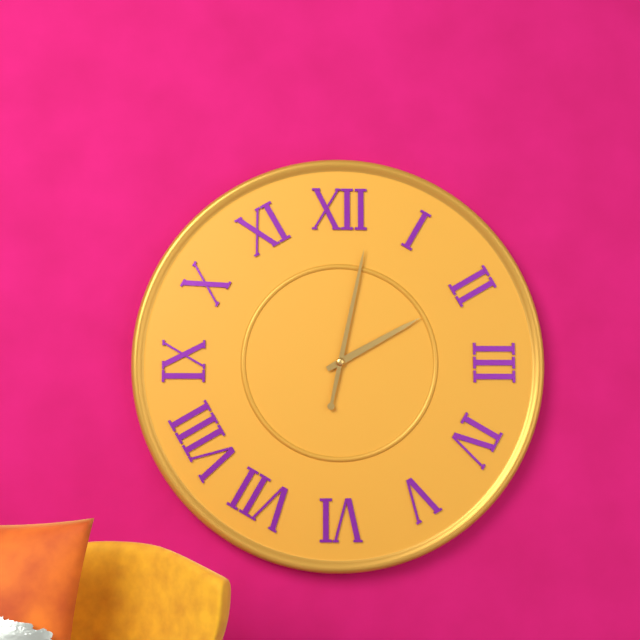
2:02
